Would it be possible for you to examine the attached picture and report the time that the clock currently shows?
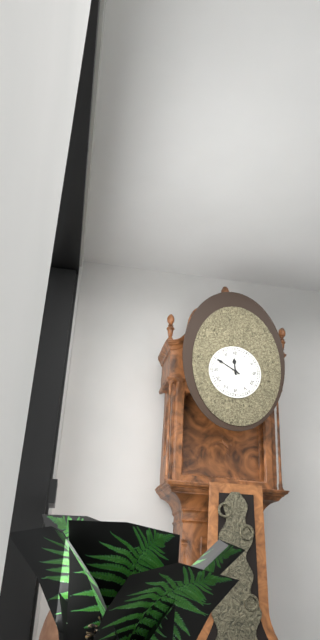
11:50
